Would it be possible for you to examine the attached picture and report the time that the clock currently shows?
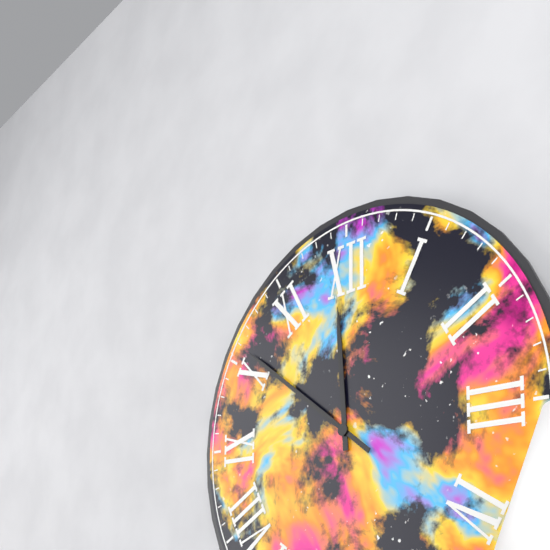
11:51
